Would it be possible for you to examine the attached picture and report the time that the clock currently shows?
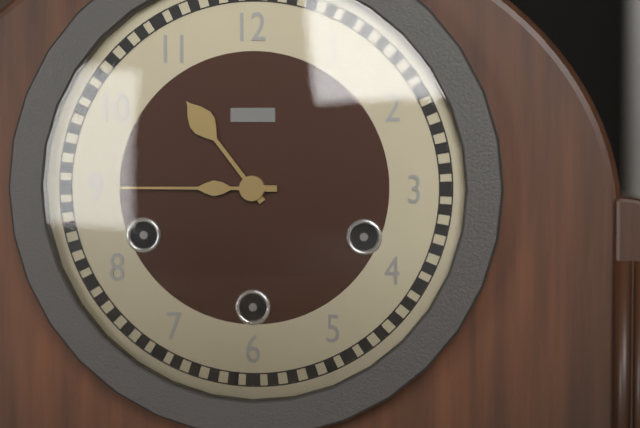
10:45
